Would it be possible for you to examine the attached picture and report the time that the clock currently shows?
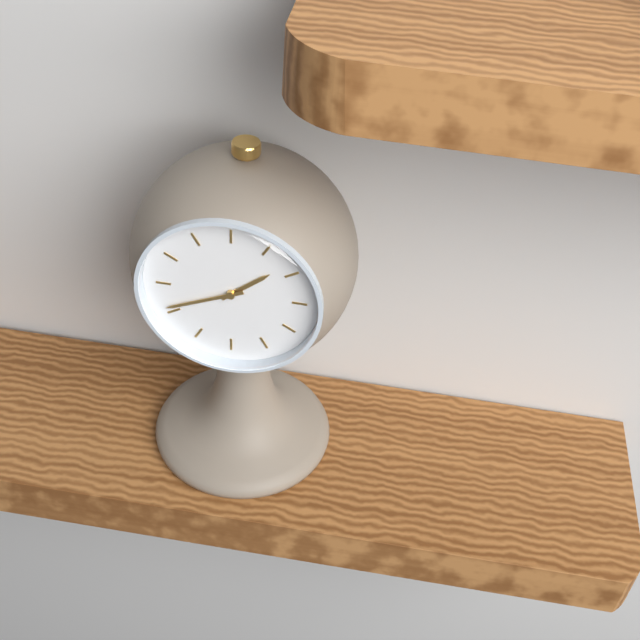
1:41
